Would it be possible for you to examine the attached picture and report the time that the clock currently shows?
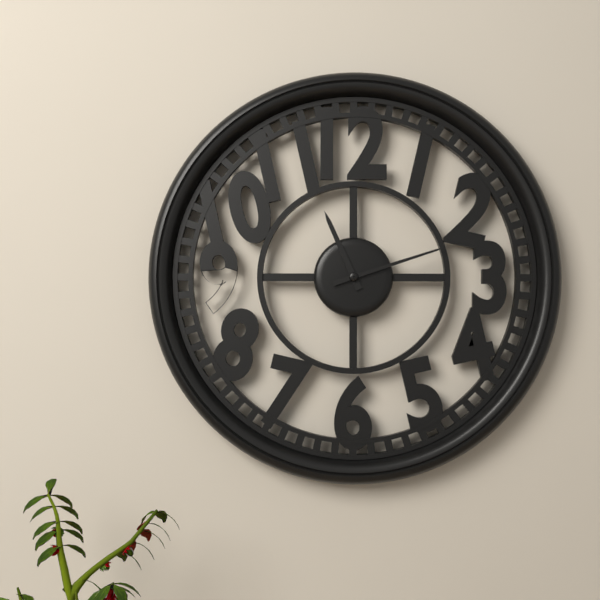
11:12
